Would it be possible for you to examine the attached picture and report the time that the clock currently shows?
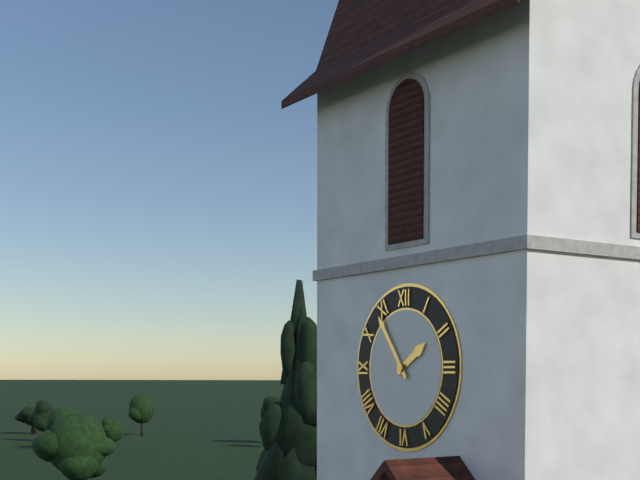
1:54
